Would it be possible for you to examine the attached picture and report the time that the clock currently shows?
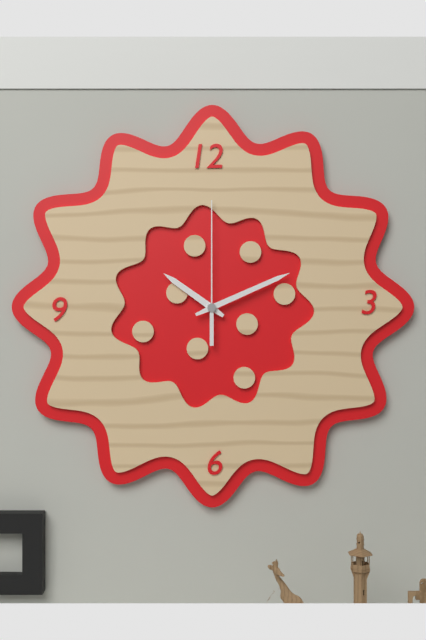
10:11:00
